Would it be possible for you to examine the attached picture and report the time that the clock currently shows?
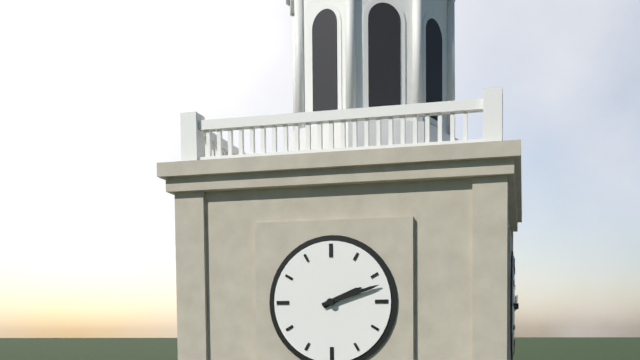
2:12
